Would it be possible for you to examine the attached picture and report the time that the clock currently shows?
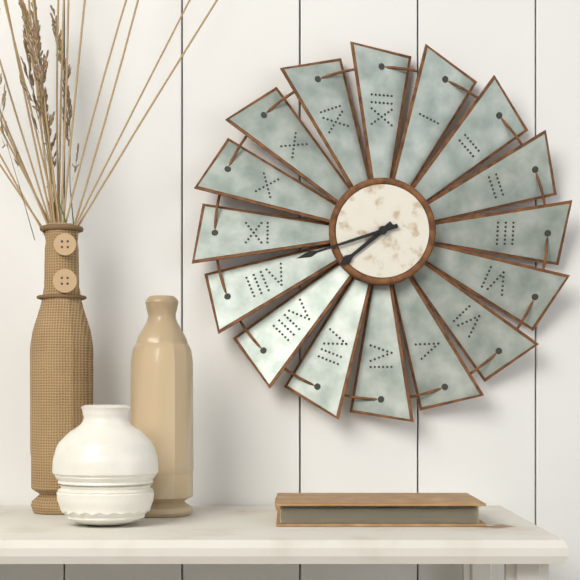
7:42
